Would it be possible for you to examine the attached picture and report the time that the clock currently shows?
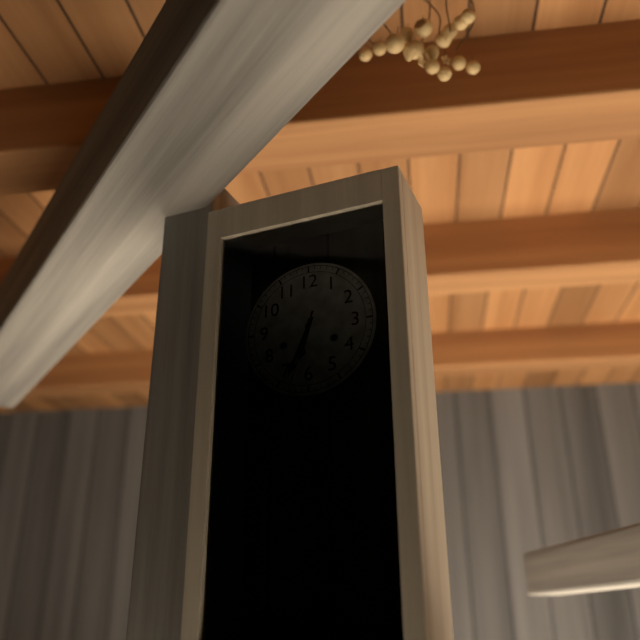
6:34:33
